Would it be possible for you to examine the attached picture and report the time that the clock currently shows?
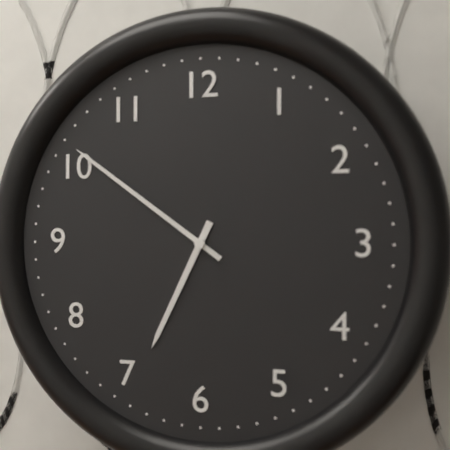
6:51
